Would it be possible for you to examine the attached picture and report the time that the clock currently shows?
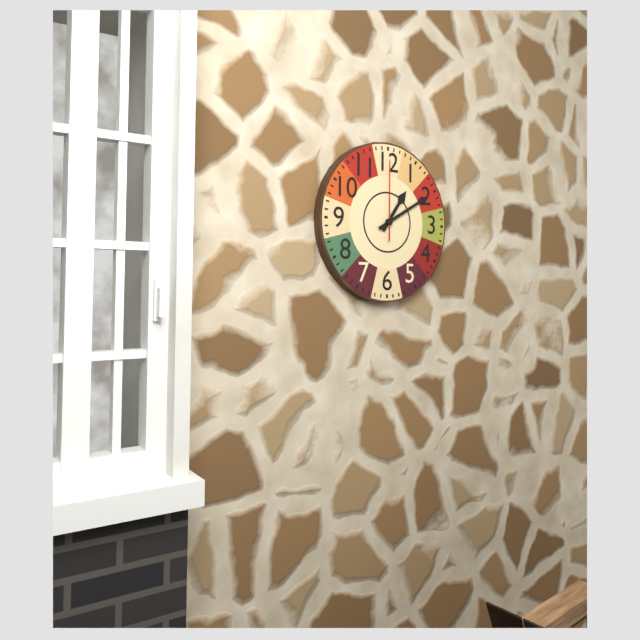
1:10:00
